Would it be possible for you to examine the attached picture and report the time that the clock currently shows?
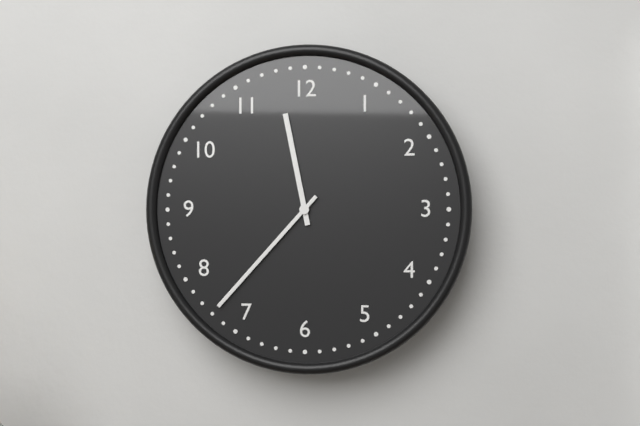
11:37
